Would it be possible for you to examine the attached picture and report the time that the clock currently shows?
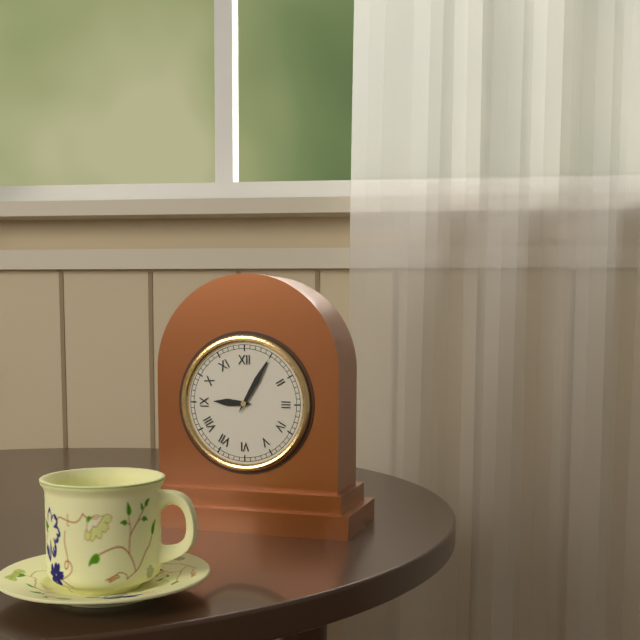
9:05
